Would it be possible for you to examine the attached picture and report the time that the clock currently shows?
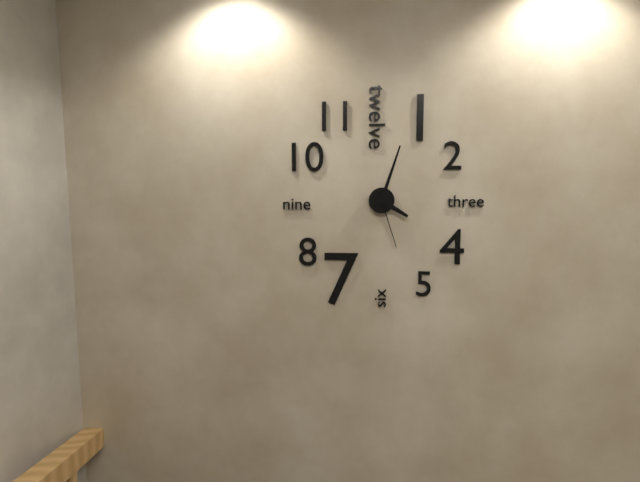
4:03:27
